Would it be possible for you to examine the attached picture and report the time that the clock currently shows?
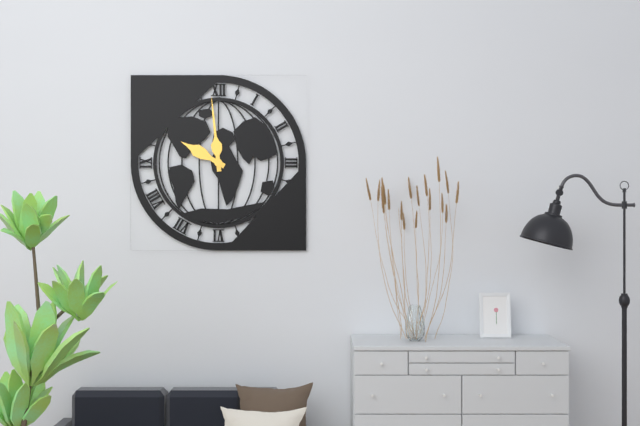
9:59
